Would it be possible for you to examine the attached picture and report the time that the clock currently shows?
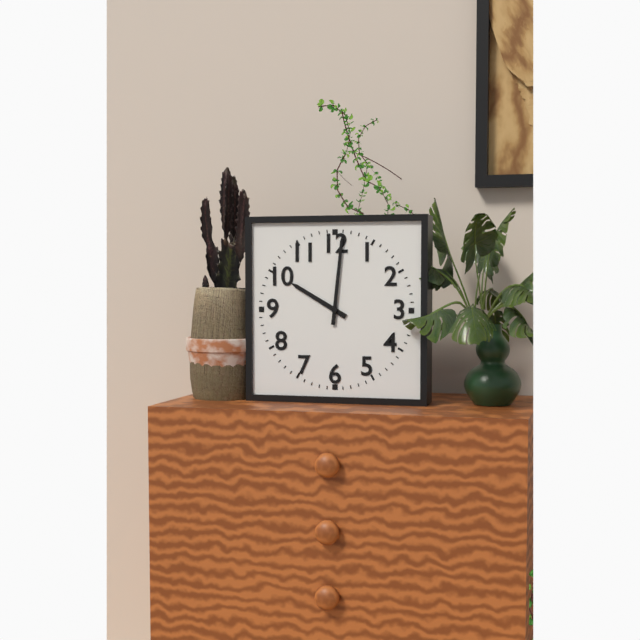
10:01
